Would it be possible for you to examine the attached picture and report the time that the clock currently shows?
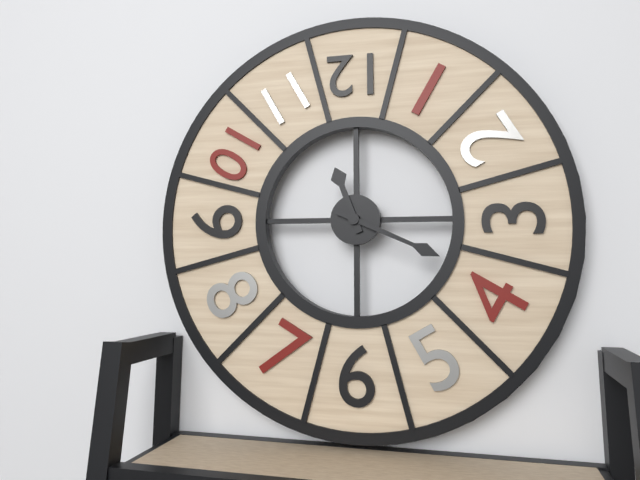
11:19
